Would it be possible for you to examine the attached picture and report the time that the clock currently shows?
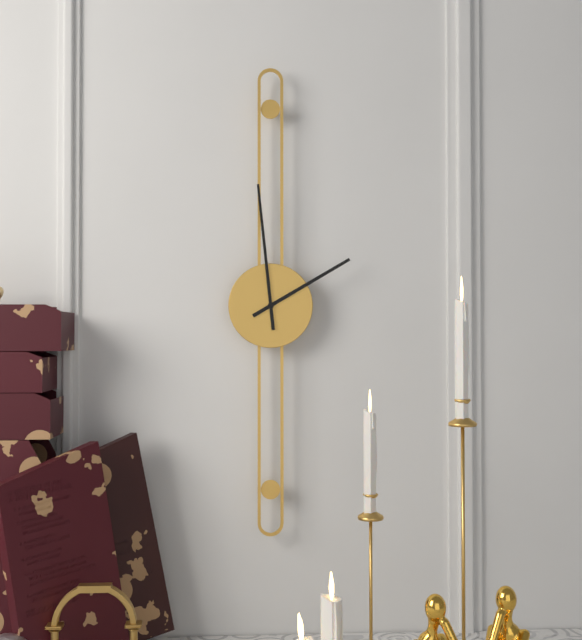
1:59
